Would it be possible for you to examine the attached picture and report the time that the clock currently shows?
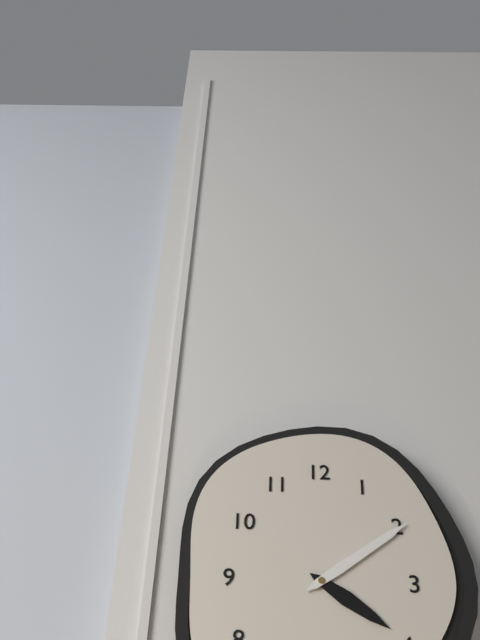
4:09
